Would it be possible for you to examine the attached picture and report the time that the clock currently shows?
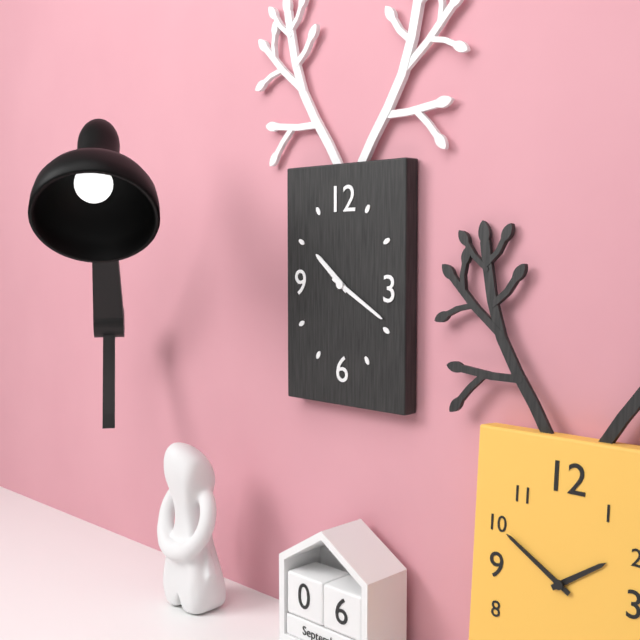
10:20
